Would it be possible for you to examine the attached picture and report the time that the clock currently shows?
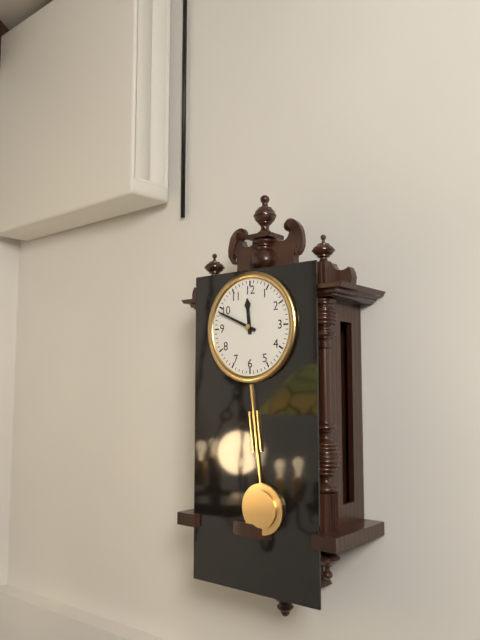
11:49
